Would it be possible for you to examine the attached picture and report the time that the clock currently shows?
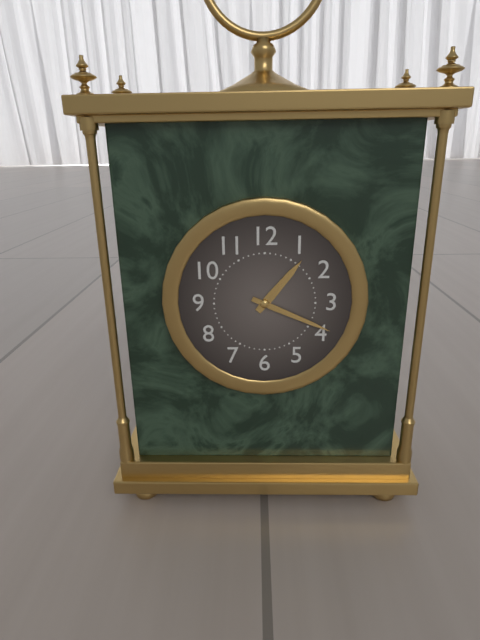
1:19
